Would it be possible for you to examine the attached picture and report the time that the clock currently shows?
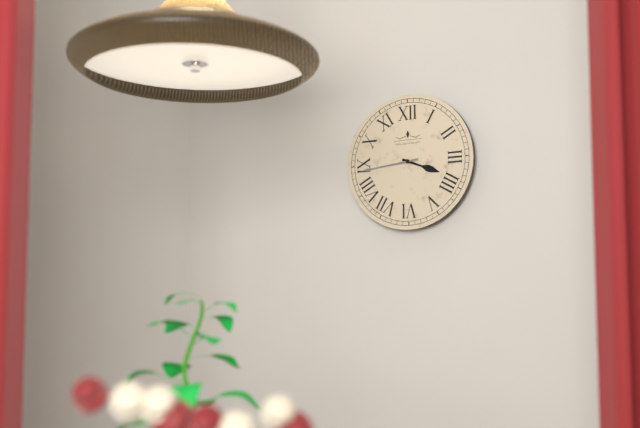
3:44
